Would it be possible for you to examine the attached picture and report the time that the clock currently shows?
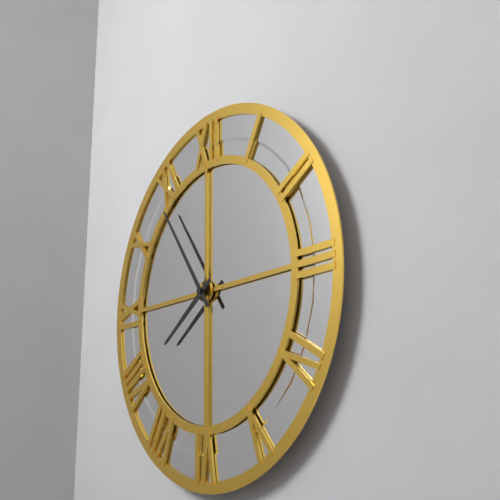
7:54
